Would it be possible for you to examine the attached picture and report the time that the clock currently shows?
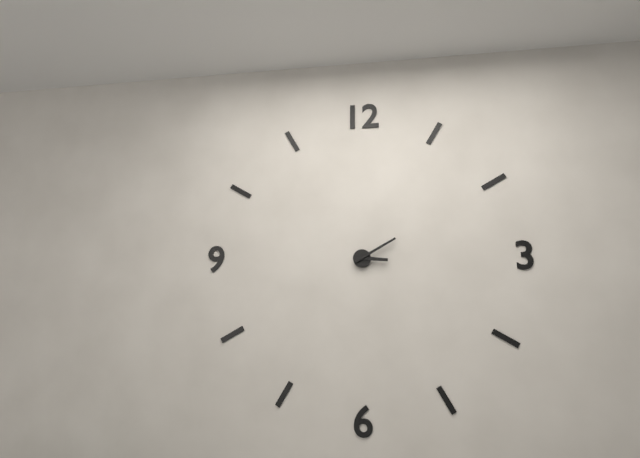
3:10
